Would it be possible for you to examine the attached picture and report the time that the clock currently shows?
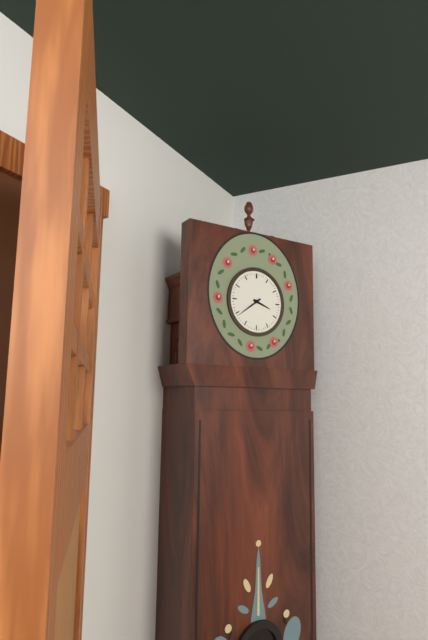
3:39
